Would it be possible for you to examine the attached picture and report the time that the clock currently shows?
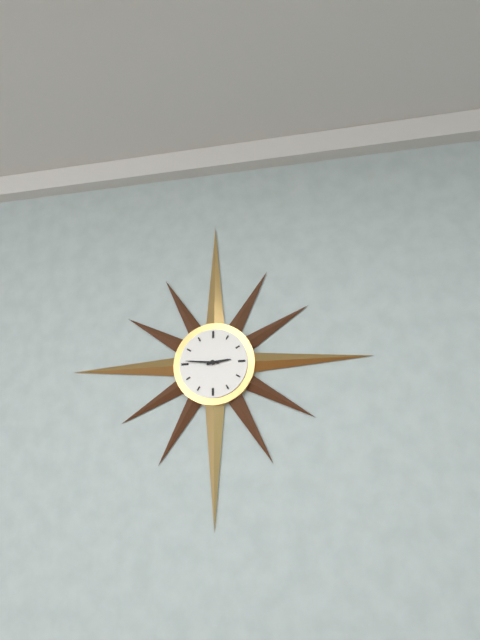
2:46
